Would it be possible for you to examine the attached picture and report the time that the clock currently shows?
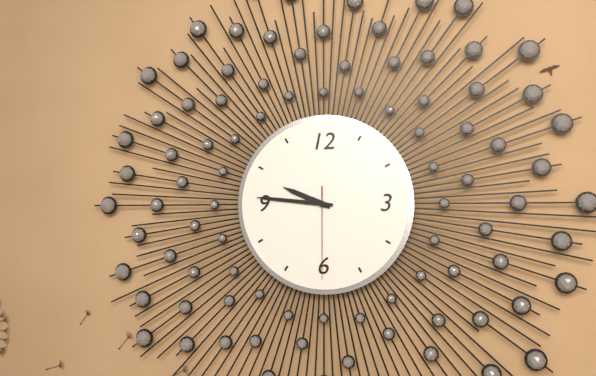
9:46:30
